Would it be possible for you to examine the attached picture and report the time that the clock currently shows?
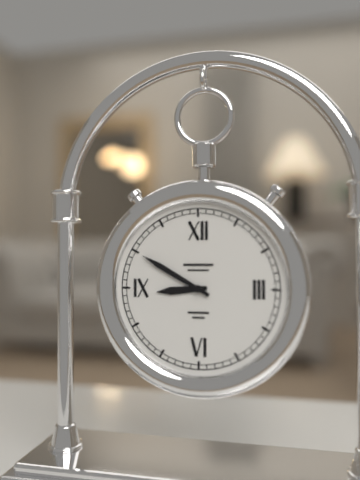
8:50
